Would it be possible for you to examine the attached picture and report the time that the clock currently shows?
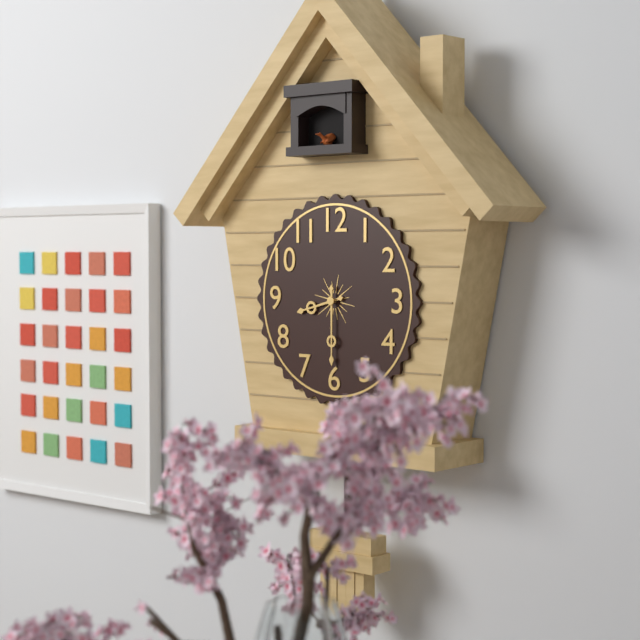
8:30
